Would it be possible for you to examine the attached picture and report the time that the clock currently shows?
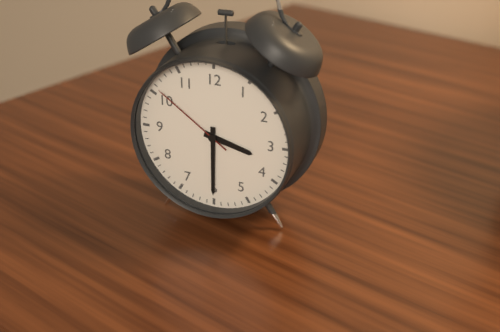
3:30:51
